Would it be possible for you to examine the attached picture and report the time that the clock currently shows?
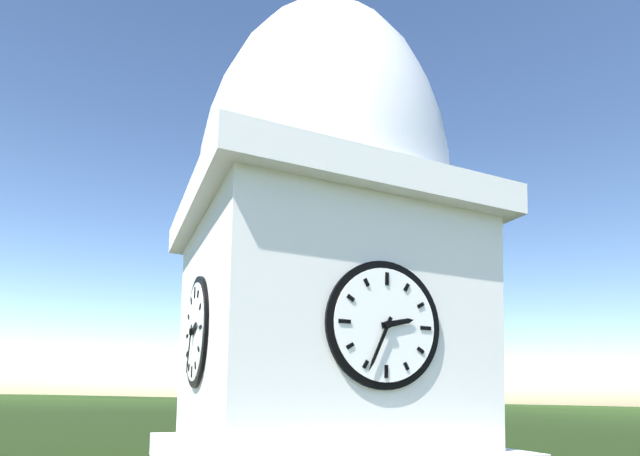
2:34
